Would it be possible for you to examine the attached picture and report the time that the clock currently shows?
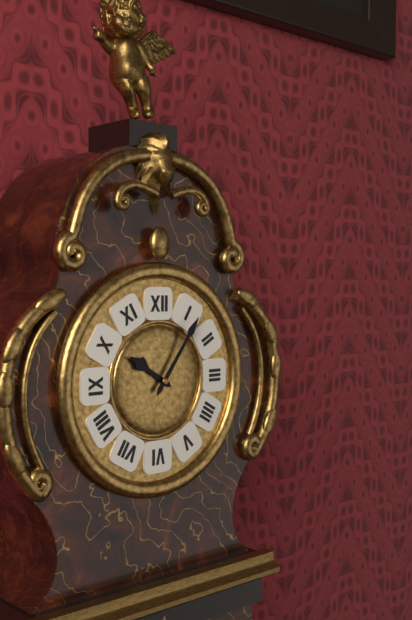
10:06
